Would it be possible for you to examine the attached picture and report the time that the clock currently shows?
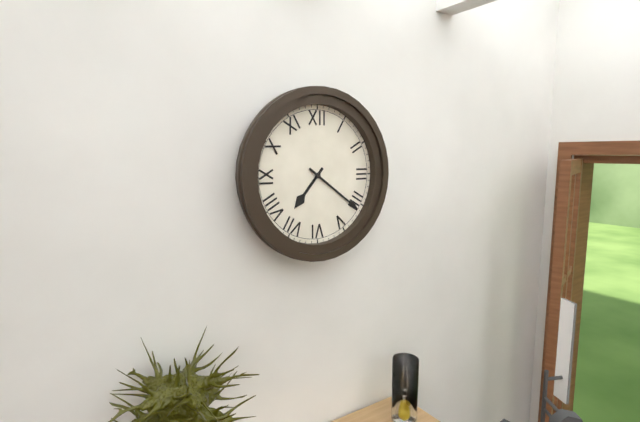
7:21
